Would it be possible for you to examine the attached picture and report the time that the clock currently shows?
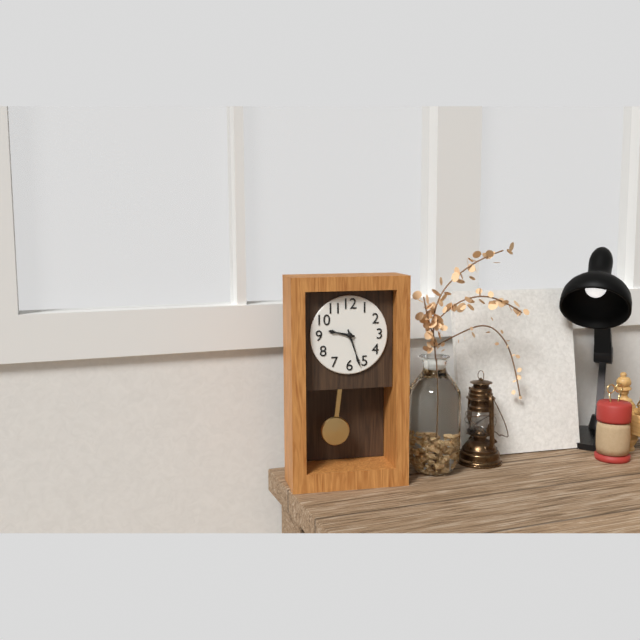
9:27
